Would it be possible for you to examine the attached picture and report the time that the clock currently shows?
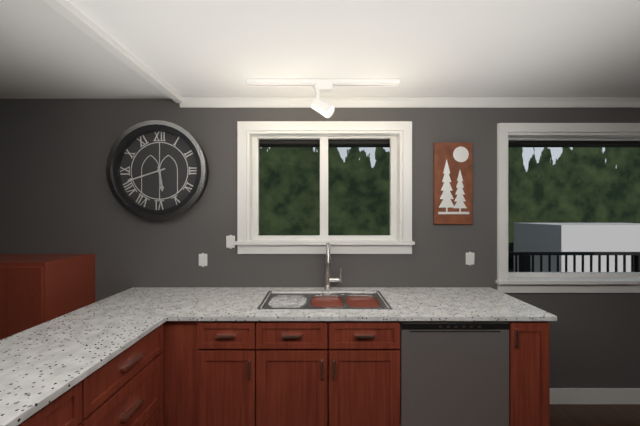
5:42
